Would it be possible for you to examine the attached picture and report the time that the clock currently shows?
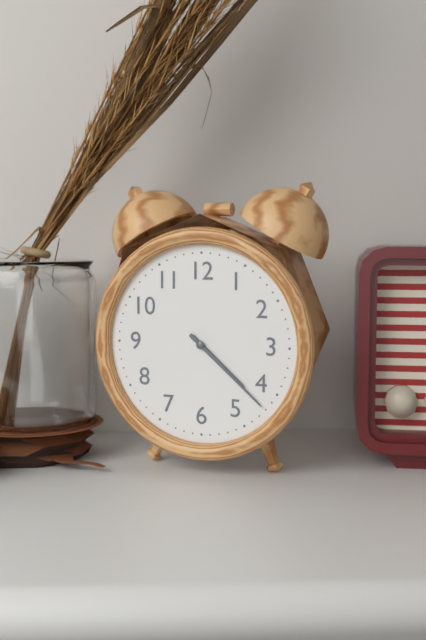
4:22
